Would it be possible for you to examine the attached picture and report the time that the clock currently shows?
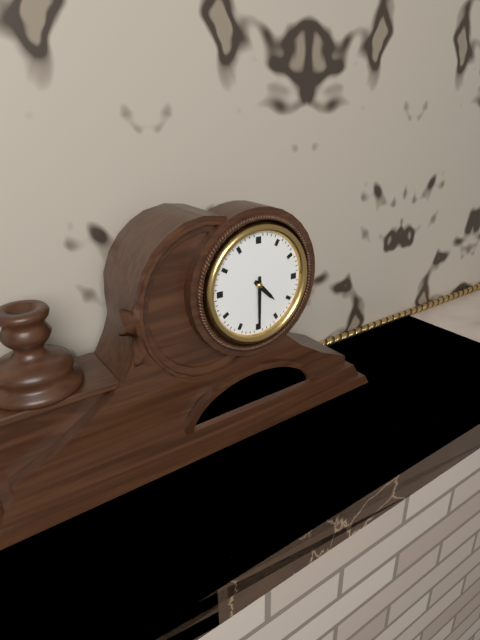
4:30
